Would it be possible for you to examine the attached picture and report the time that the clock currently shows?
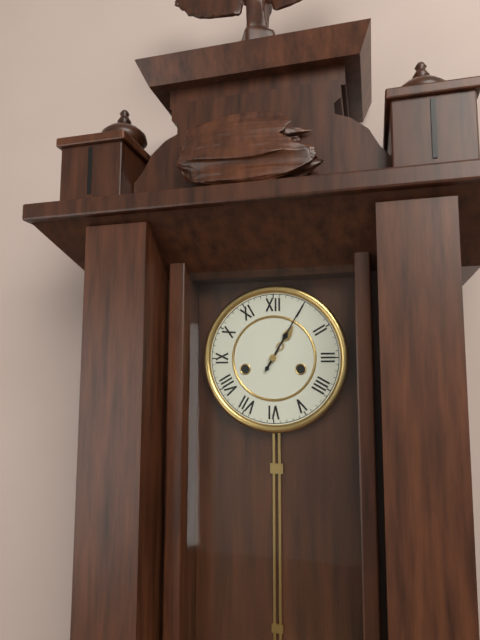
1:05
